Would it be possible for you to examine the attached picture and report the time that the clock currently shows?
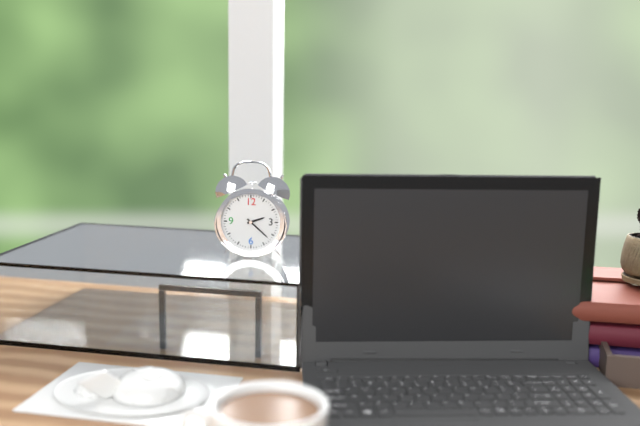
2:22
